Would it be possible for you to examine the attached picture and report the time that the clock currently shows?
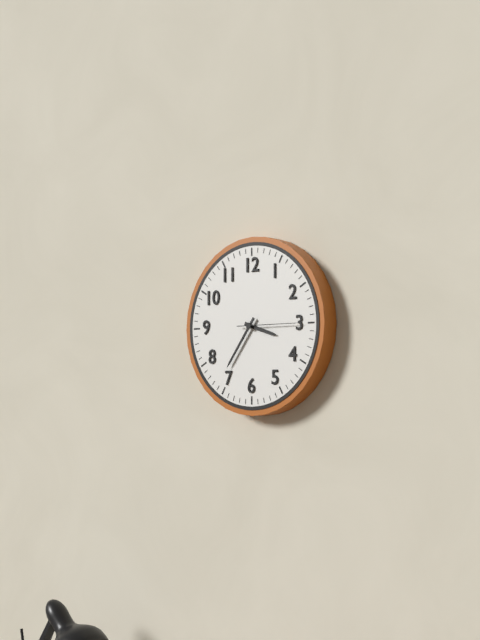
3:36:15
